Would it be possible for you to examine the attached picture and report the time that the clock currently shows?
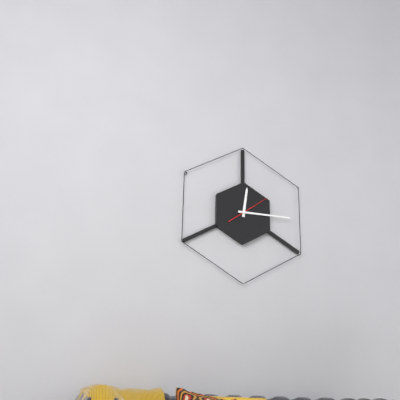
12:15
